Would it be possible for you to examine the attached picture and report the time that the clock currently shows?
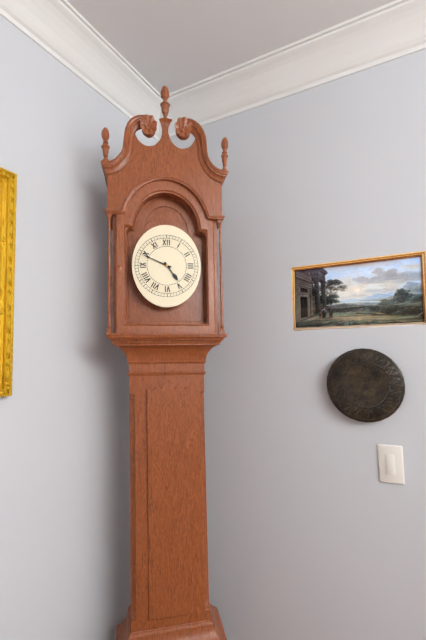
4:49
